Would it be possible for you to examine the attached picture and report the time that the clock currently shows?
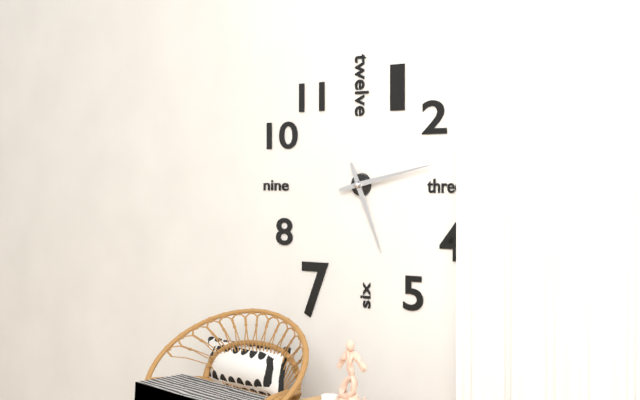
5:13
